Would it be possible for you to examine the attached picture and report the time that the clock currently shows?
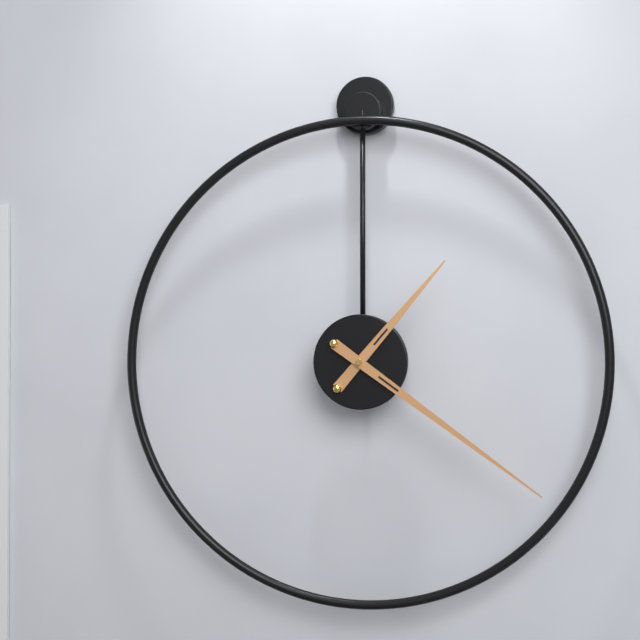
1:21
